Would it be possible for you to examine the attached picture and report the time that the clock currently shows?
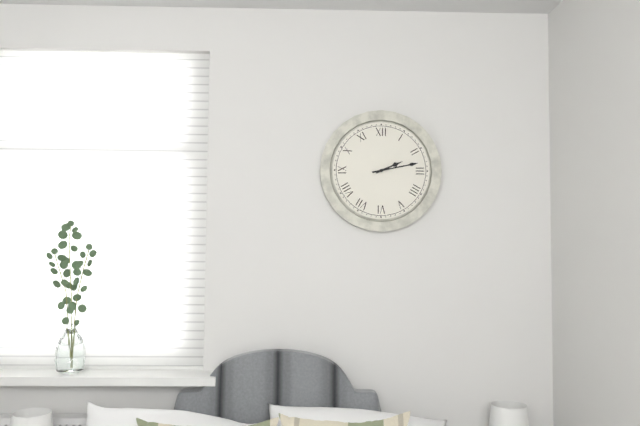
2:13
